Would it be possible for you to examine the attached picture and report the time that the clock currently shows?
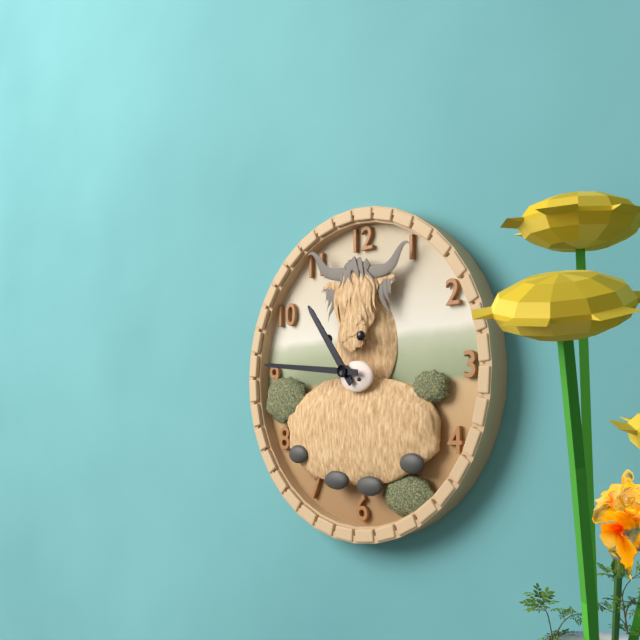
10:46
